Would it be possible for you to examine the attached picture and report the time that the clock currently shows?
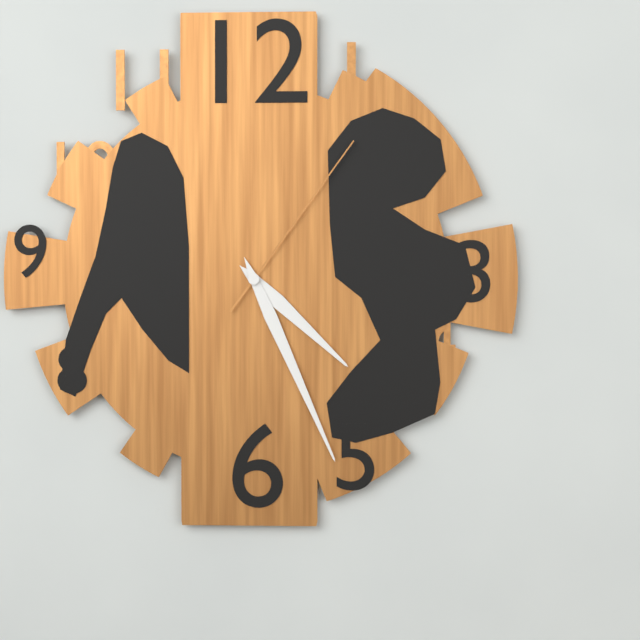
4:26:06
